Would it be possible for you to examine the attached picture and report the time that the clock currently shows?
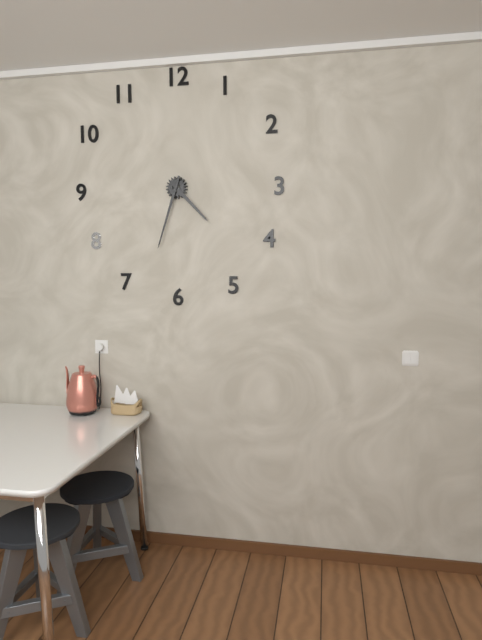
4:33
